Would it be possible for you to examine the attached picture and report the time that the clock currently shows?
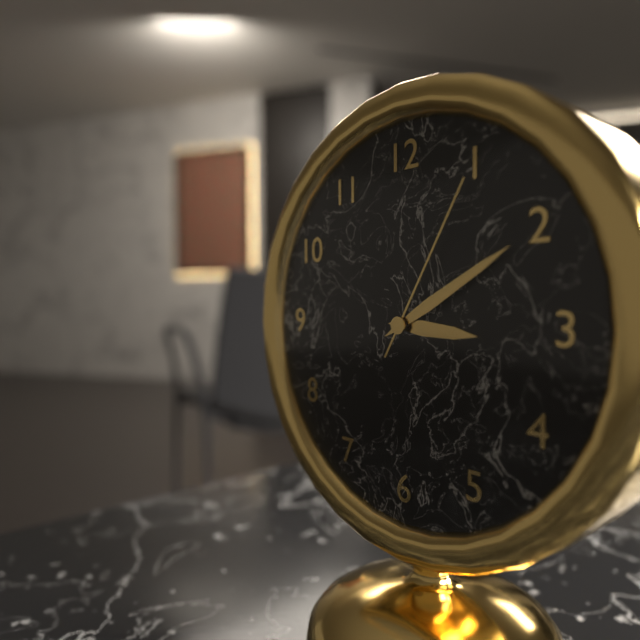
3:10:05
